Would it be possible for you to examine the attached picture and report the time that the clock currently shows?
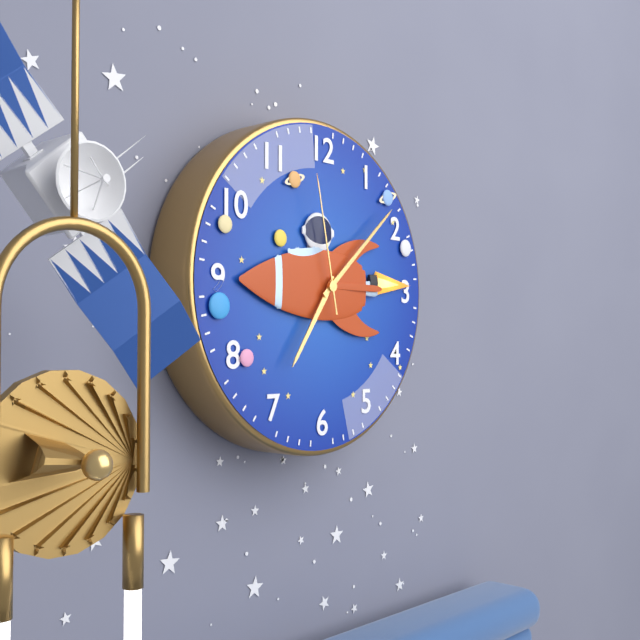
7:08:58
